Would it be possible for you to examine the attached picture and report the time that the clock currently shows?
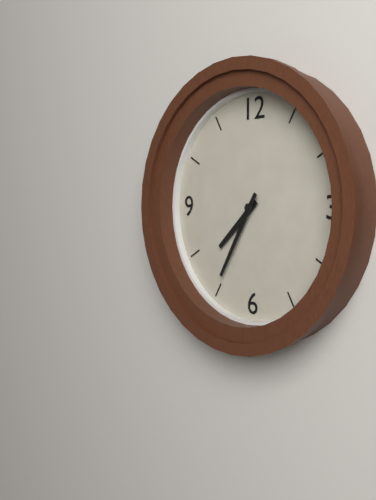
7:35
